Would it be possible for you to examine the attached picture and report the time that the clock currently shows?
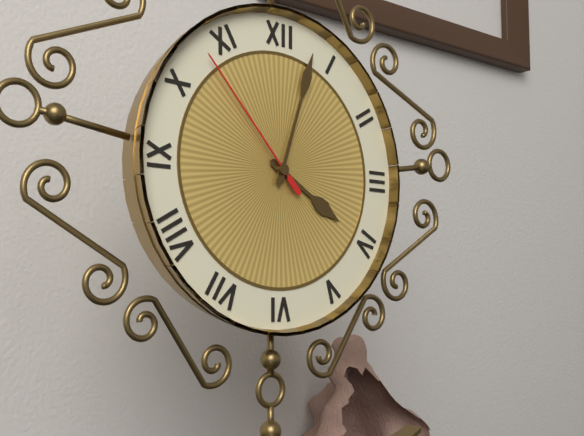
4:03:53
